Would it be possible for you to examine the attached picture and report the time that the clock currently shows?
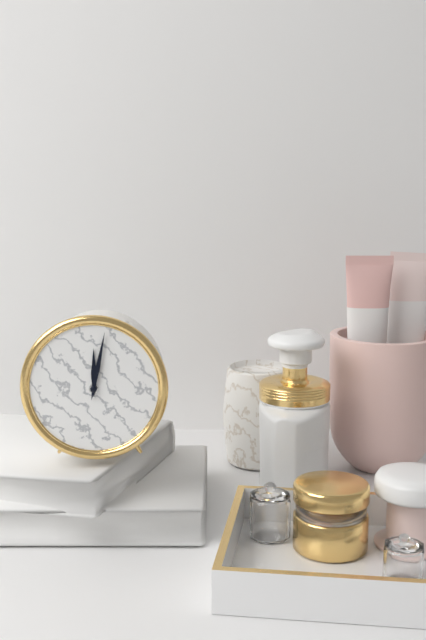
12:02
